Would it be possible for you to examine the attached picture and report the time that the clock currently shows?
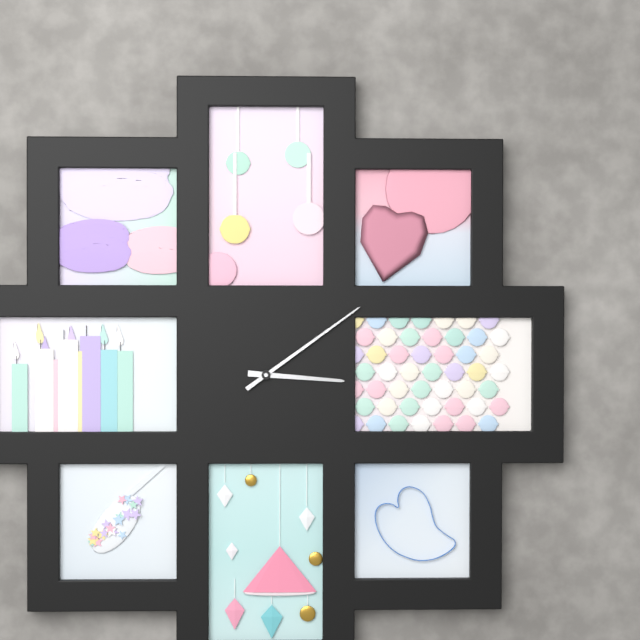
3:09
